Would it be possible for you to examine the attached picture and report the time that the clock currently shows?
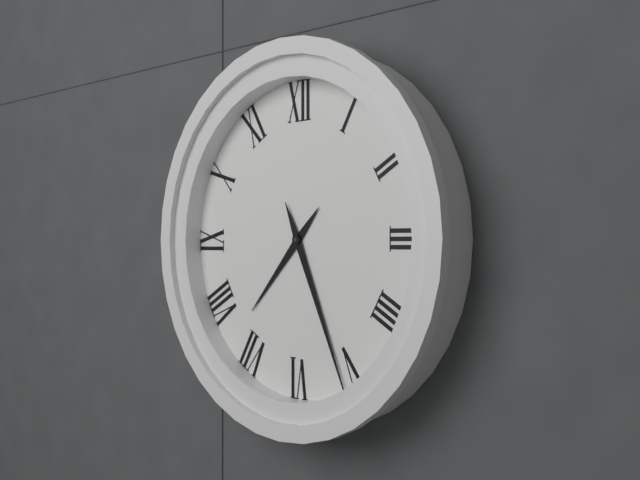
7:26
